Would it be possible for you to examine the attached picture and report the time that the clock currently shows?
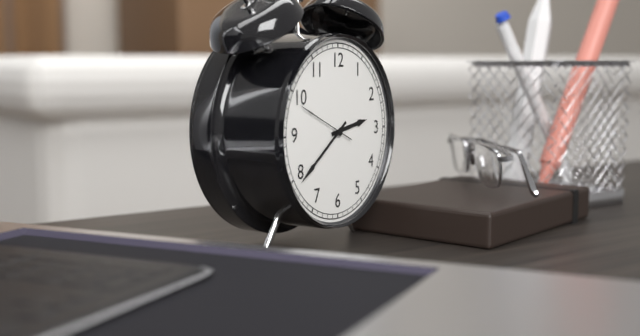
2:39:49
